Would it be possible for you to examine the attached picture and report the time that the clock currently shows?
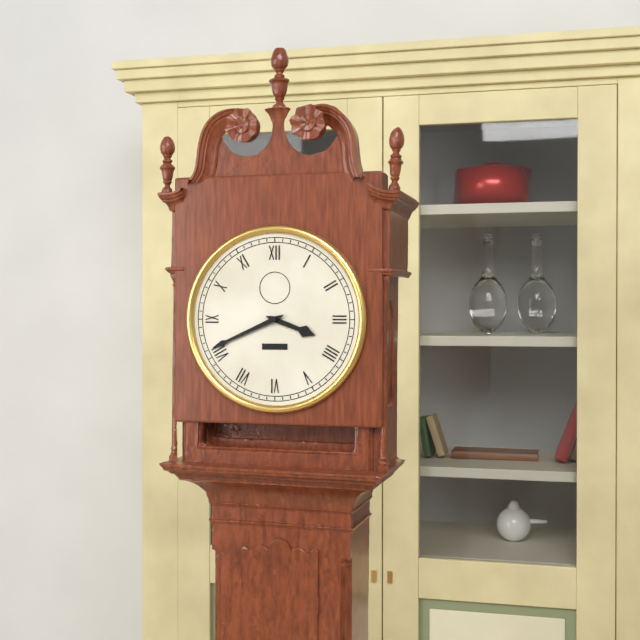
3:41
